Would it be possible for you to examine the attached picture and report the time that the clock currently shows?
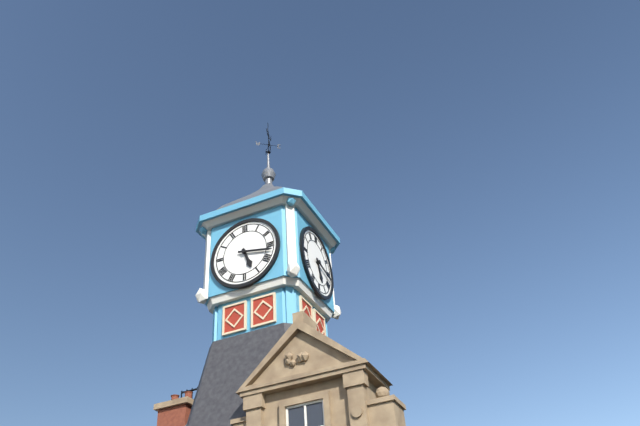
5:17
